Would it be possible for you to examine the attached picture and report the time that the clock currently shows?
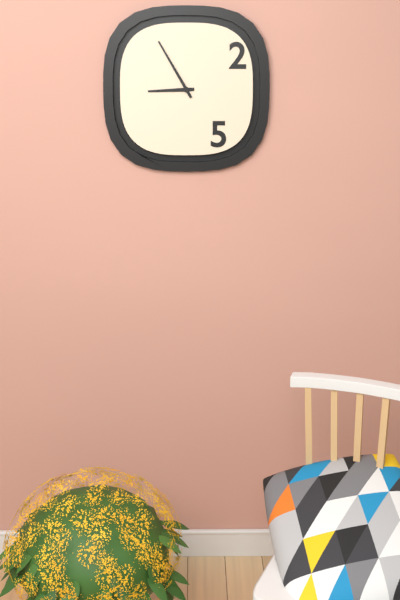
8:55
